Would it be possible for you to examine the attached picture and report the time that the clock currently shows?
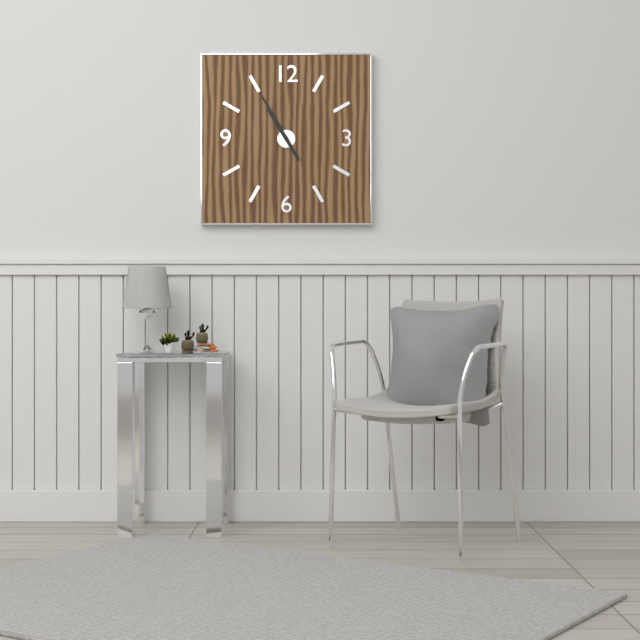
10:55
